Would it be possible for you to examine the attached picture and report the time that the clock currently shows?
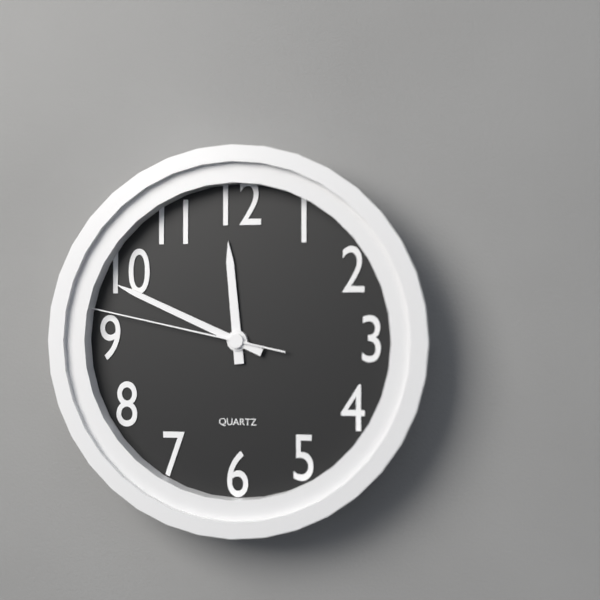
11:49:47
